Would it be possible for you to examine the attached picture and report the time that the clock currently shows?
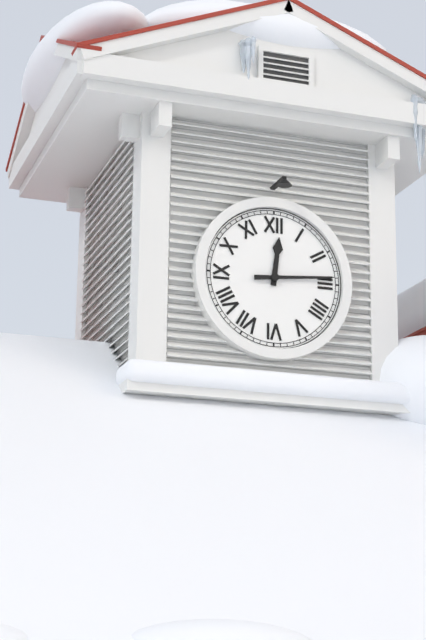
12:14
